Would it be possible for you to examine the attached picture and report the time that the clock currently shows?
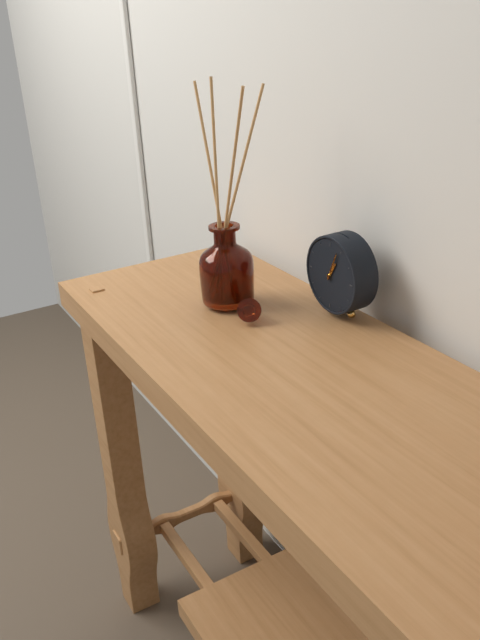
1:04
